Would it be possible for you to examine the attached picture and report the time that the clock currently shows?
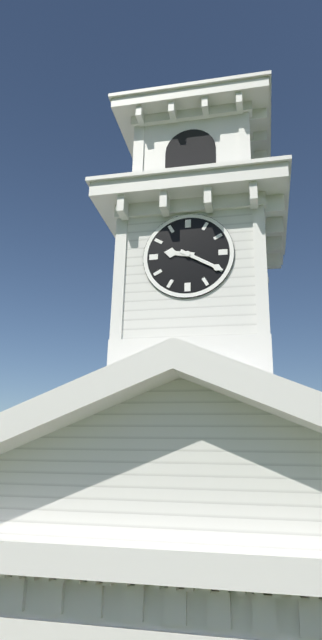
9:20
